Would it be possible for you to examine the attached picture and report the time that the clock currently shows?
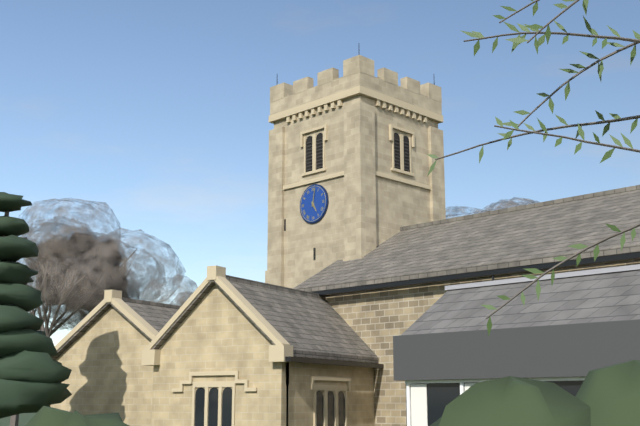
5:02
